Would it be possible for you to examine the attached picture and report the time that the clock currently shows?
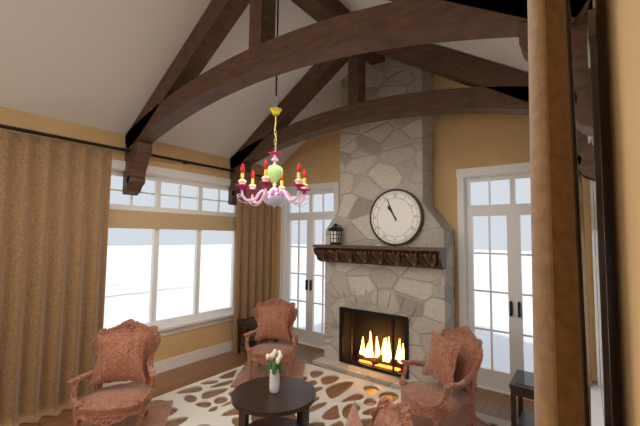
10:56
